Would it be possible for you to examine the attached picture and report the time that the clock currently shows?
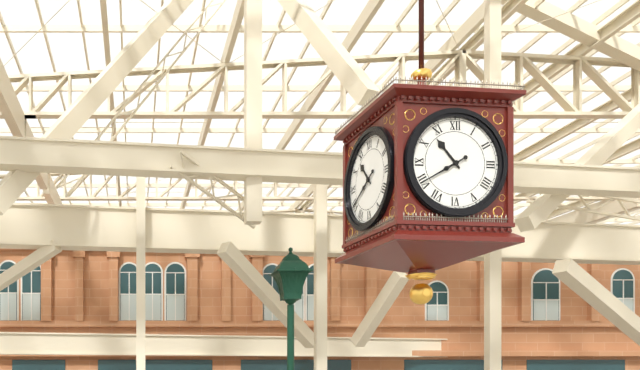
10:40
